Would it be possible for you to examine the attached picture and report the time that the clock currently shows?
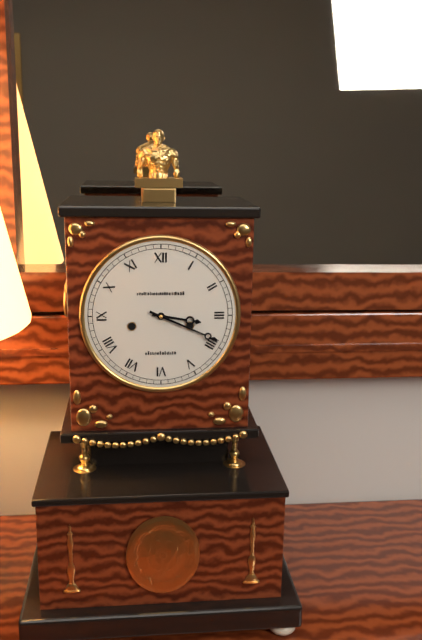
3:19
